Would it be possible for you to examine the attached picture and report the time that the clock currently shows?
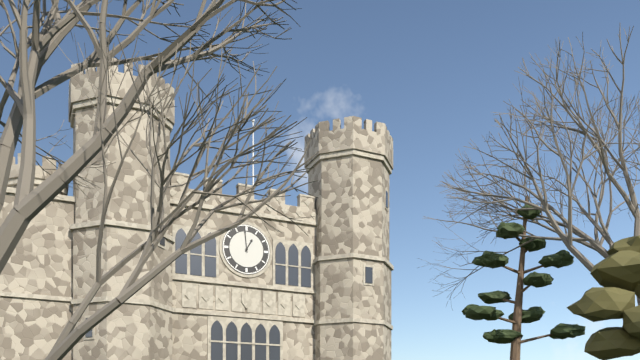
12:59
